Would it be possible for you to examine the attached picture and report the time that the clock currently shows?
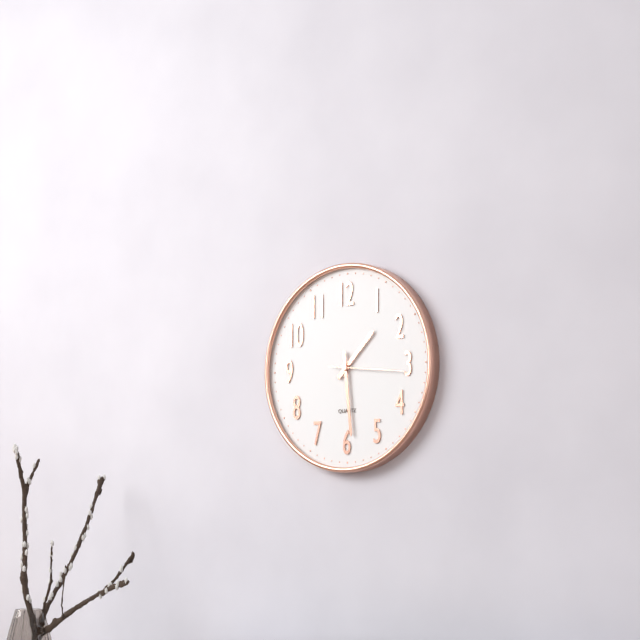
1:29:16
